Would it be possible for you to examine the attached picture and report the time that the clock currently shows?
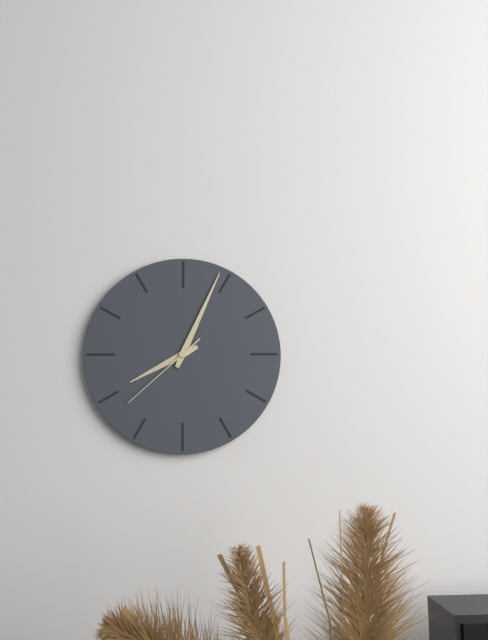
8:04:38
